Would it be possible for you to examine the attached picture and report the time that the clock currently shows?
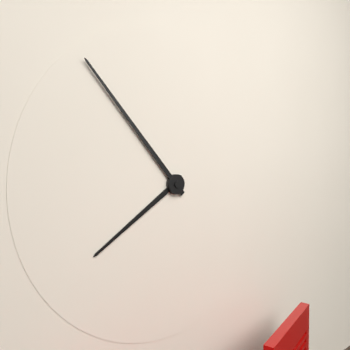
7:53
